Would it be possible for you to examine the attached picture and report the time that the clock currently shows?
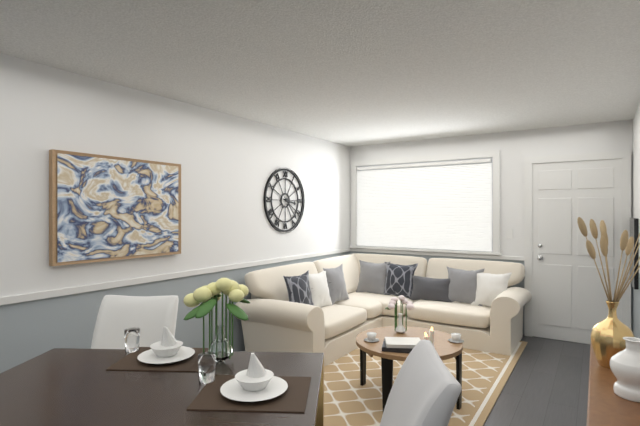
3:23
